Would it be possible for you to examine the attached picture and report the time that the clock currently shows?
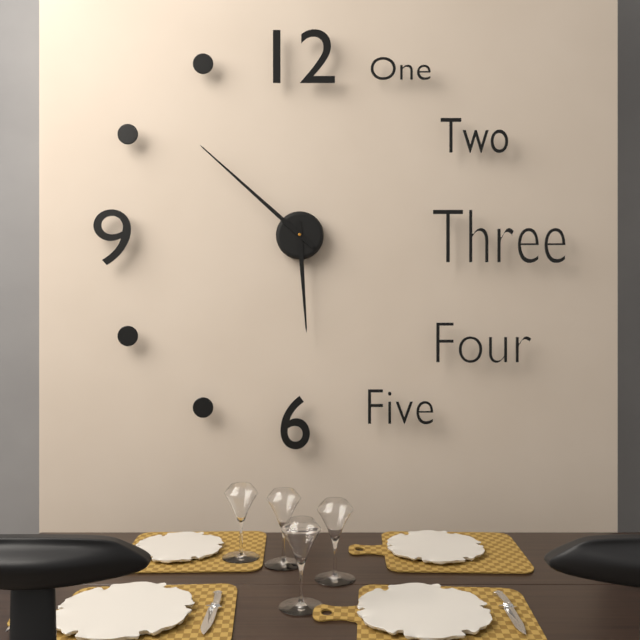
5:52
